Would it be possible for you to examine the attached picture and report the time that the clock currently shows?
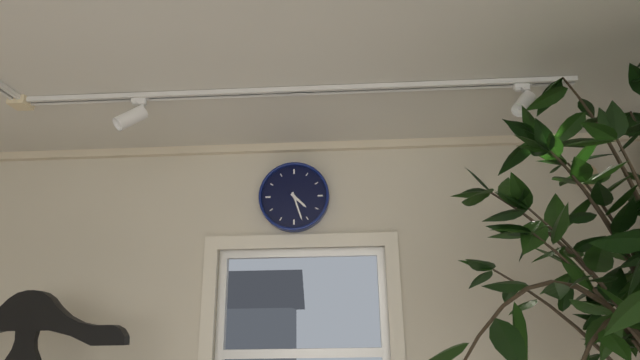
4:27
